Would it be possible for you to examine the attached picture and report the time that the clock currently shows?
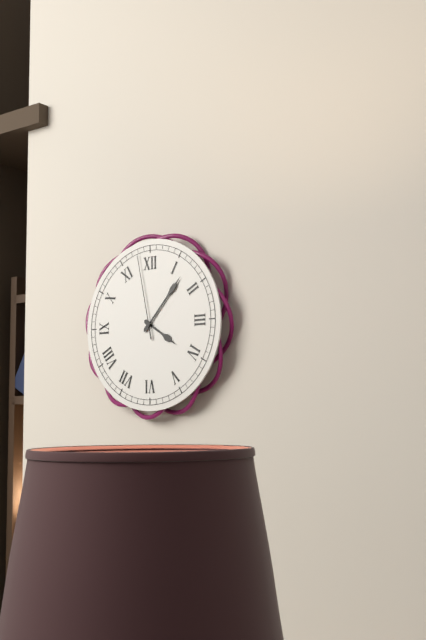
4:07:58
